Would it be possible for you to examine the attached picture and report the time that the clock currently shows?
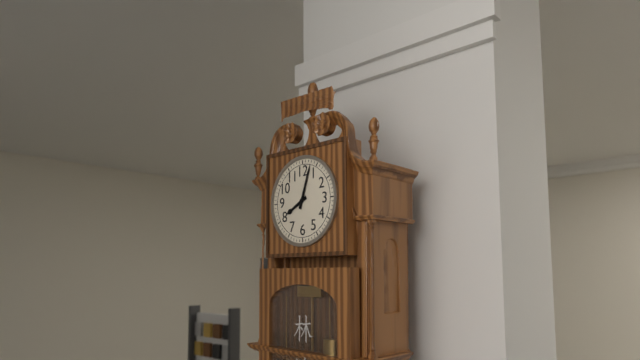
8:03
